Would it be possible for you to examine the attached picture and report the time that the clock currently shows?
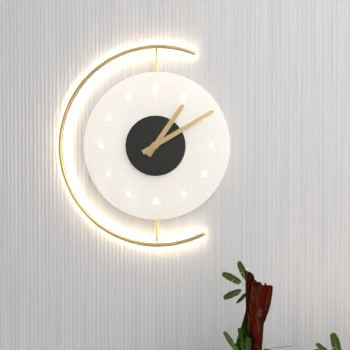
1:10
